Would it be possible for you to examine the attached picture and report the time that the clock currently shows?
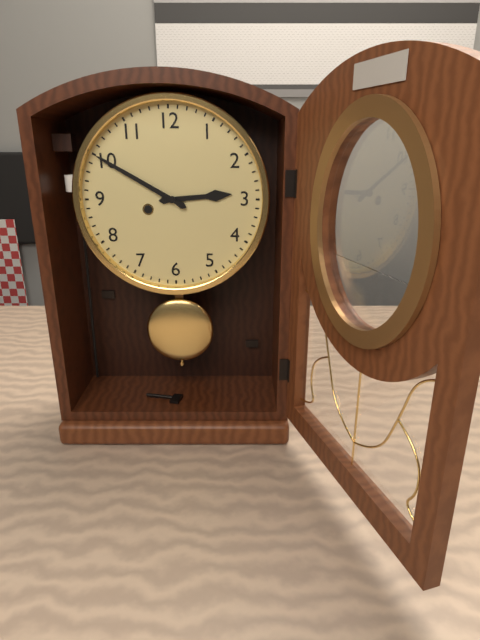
2:50
